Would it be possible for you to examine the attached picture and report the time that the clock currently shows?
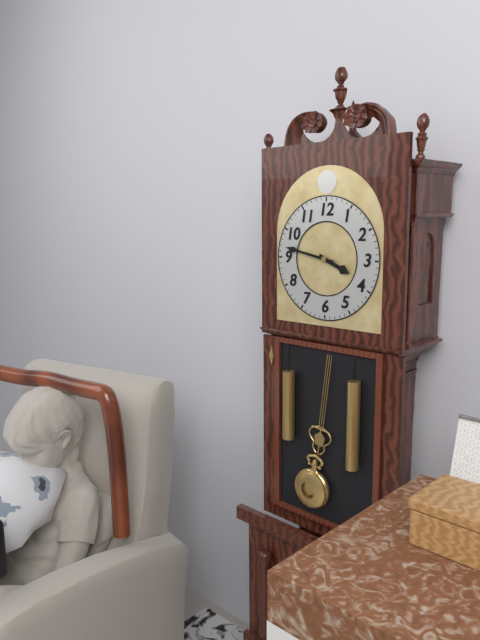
3:47
